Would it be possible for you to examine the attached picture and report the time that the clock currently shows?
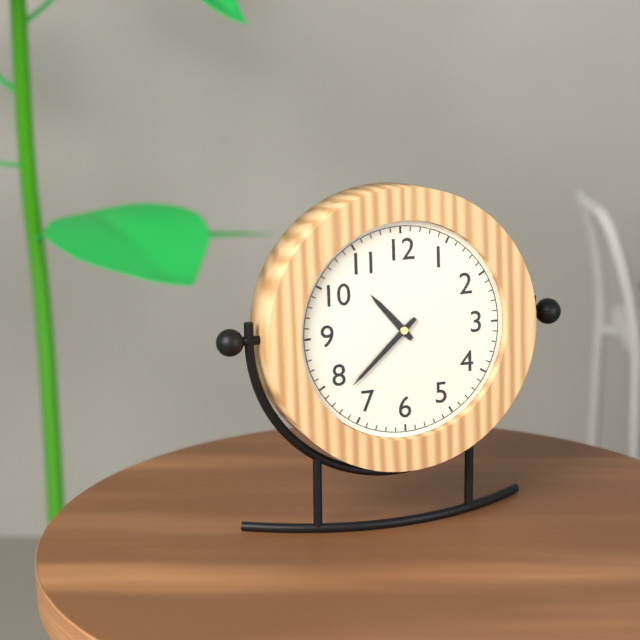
10:38
